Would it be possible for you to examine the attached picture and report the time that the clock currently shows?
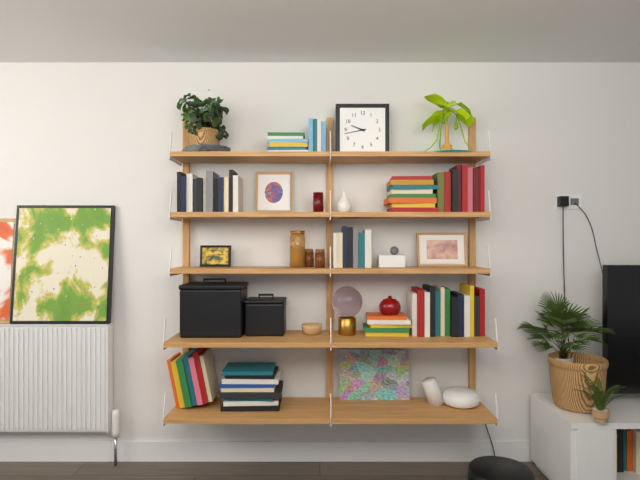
9:43
